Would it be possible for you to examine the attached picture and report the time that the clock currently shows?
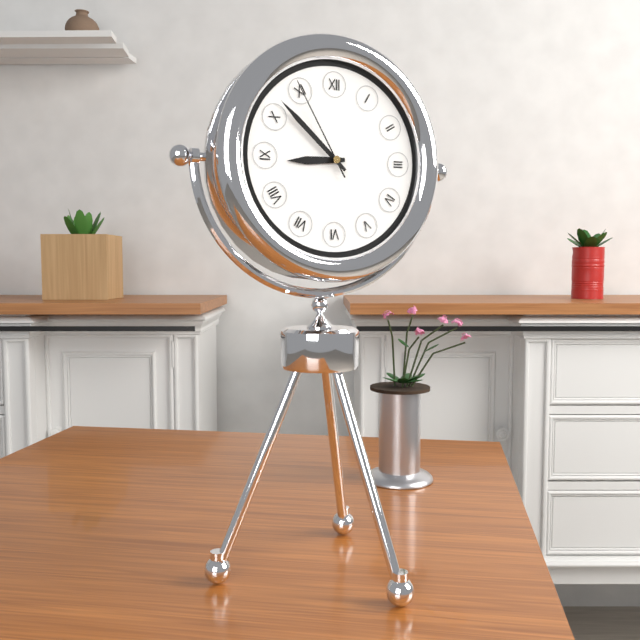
8:52:55
